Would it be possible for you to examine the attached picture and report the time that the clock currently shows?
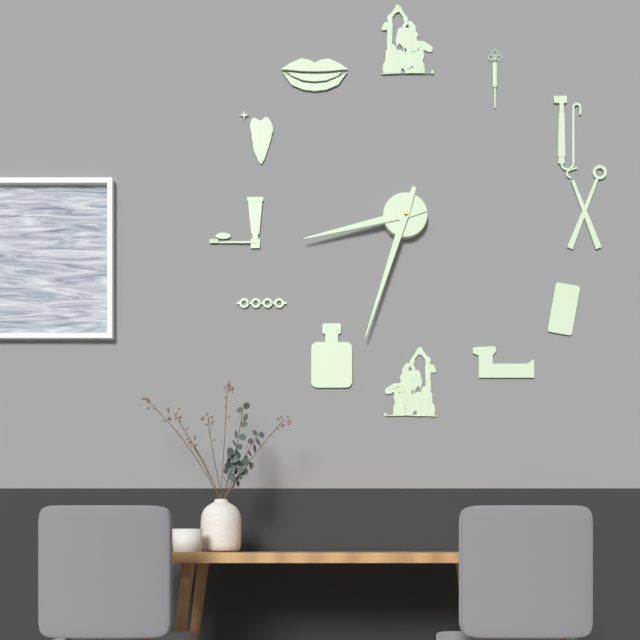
8:33
